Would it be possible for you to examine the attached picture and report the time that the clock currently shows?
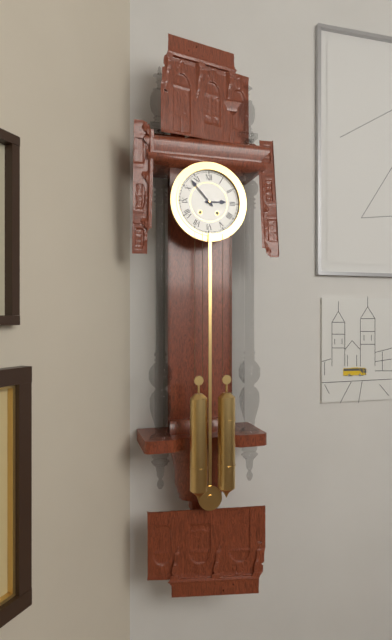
2:53
